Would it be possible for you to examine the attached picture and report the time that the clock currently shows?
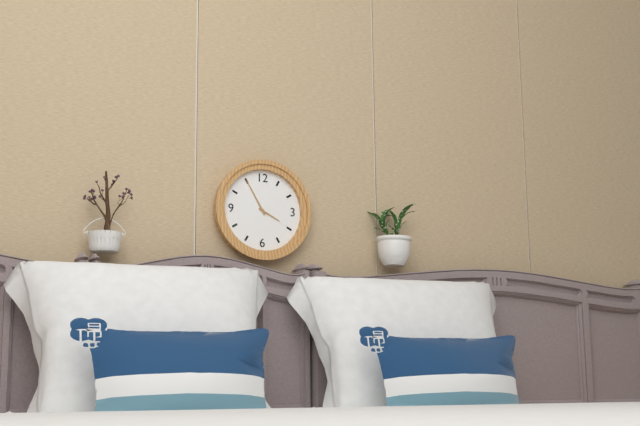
3:55
